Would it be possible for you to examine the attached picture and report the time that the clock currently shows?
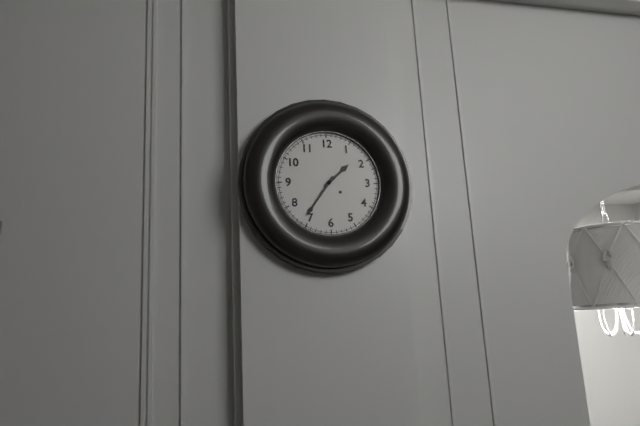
1:36
